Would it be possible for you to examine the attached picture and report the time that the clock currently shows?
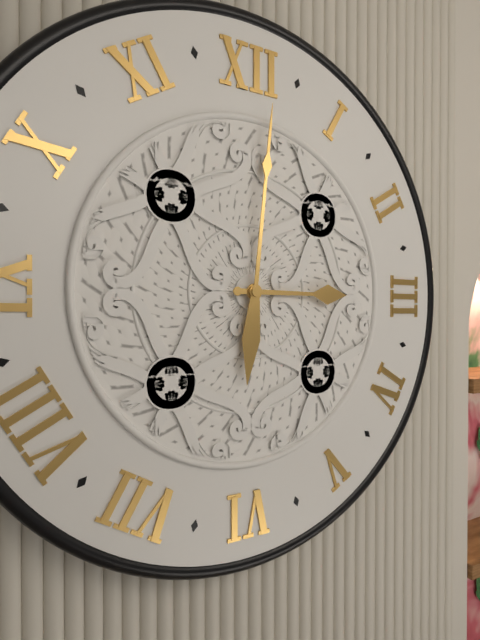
3:01
